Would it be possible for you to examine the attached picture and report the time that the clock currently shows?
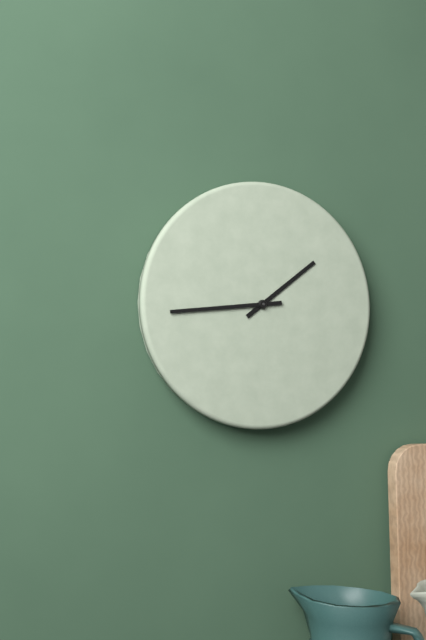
1:44
